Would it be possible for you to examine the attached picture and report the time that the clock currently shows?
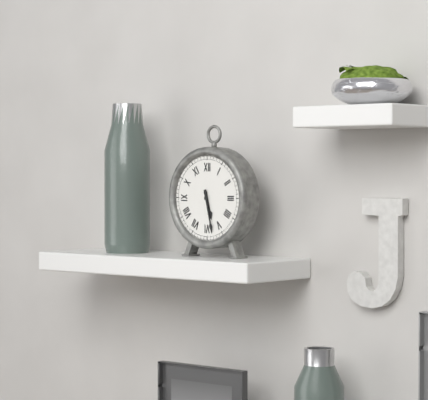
5:28
